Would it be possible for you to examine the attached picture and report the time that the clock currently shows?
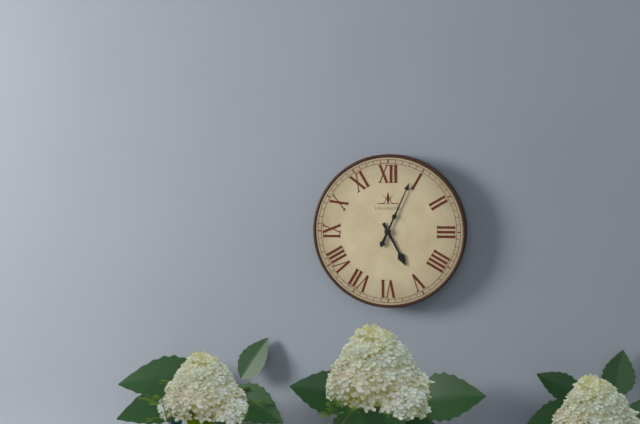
5:04
